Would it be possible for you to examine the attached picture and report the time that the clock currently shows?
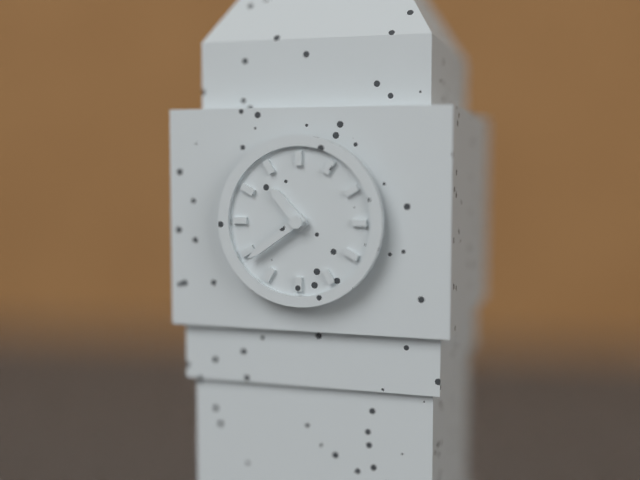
10:39
